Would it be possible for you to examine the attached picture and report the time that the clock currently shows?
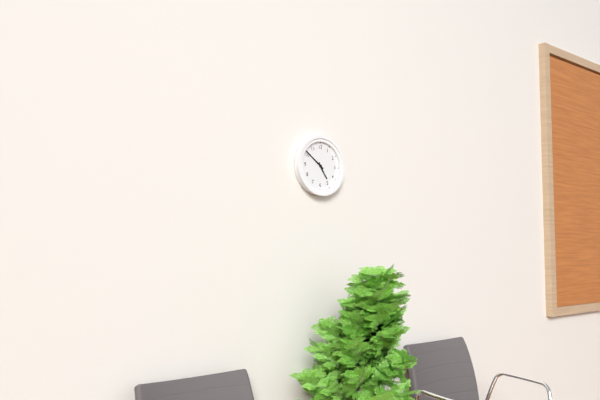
4:51
